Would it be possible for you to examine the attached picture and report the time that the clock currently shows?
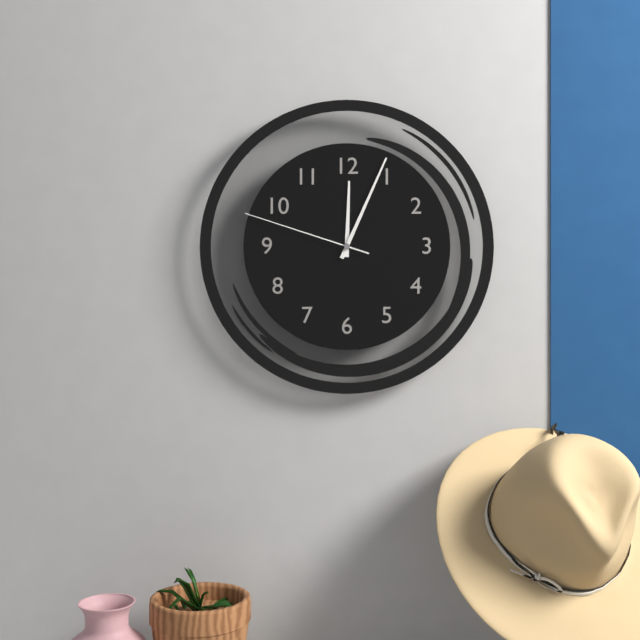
12:04:48
